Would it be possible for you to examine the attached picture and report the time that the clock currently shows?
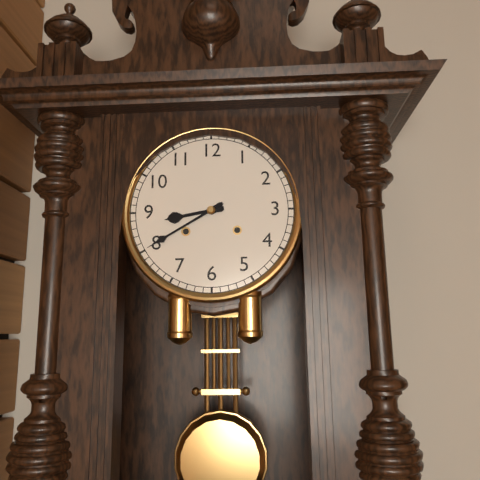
8:40
